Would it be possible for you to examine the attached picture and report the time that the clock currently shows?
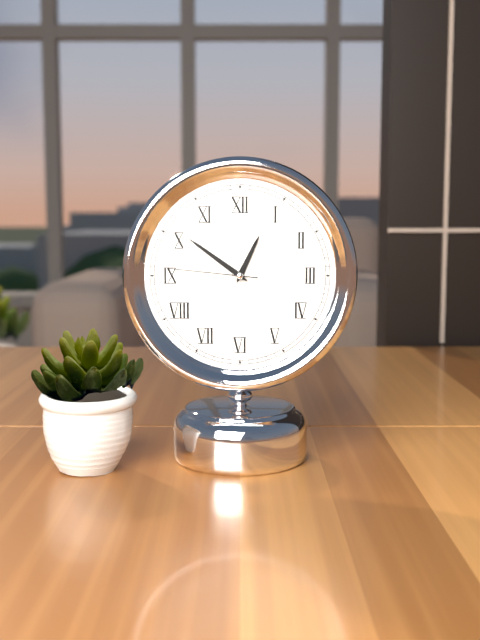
12:51:46
